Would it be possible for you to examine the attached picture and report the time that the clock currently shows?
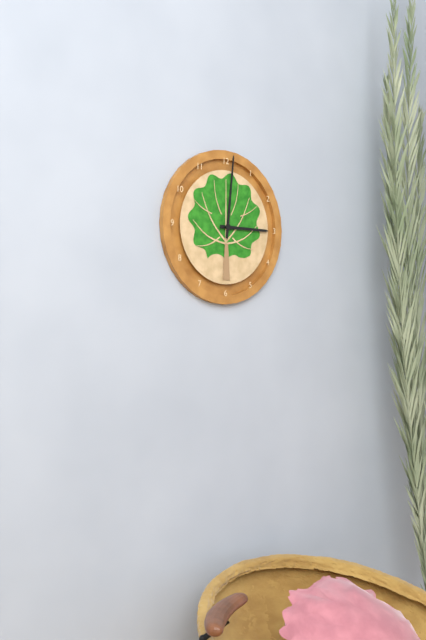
3:01
